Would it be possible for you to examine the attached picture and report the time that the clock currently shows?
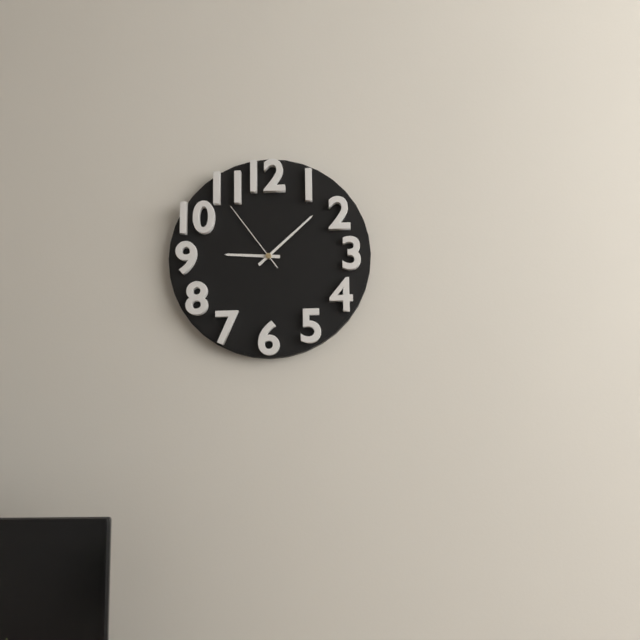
9:08:54
